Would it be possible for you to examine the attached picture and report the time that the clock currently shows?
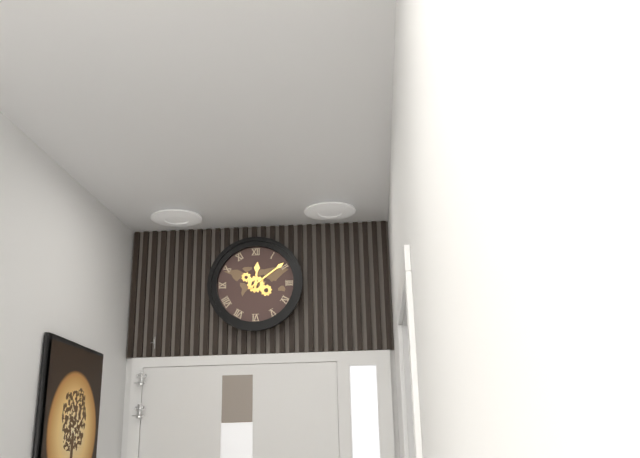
12:09
